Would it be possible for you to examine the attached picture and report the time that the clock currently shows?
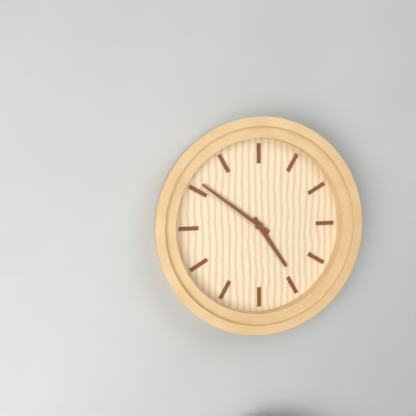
4:51
